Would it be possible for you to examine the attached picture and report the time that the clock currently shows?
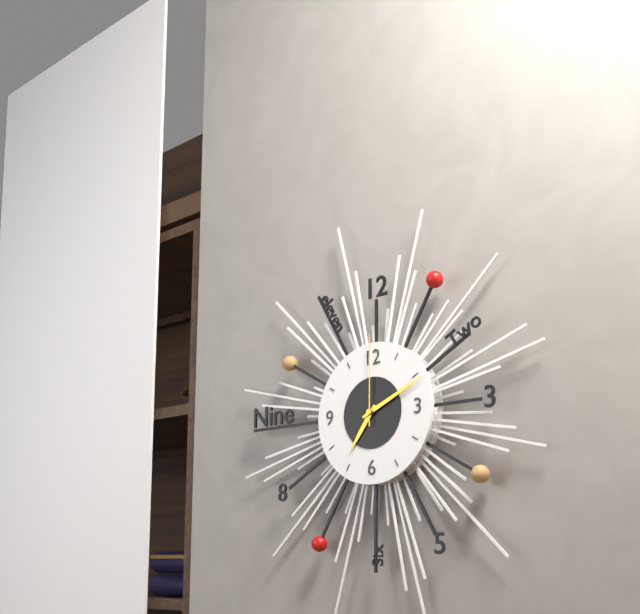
7:11:00
